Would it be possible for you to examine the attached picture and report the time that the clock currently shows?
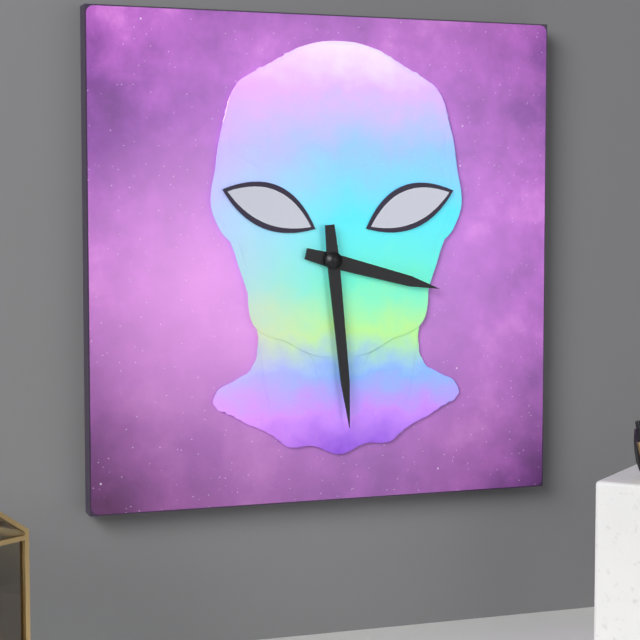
3:29
